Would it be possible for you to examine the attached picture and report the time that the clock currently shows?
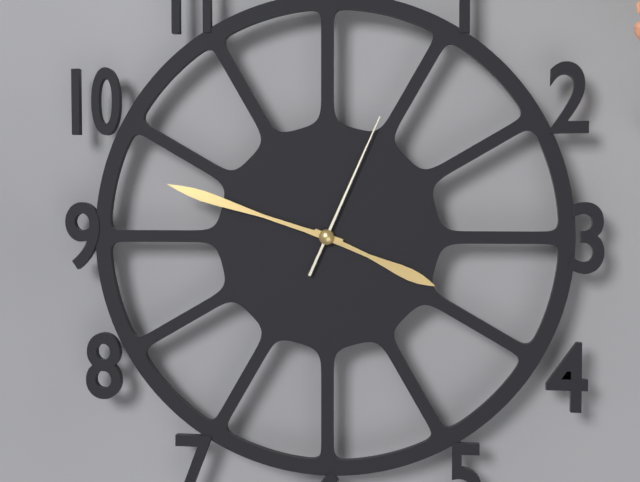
3:48:04
